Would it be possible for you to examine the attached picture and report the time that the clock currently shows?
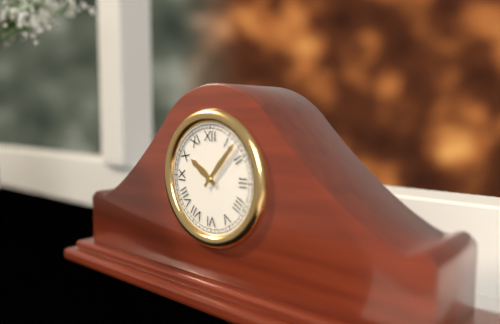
10:07
